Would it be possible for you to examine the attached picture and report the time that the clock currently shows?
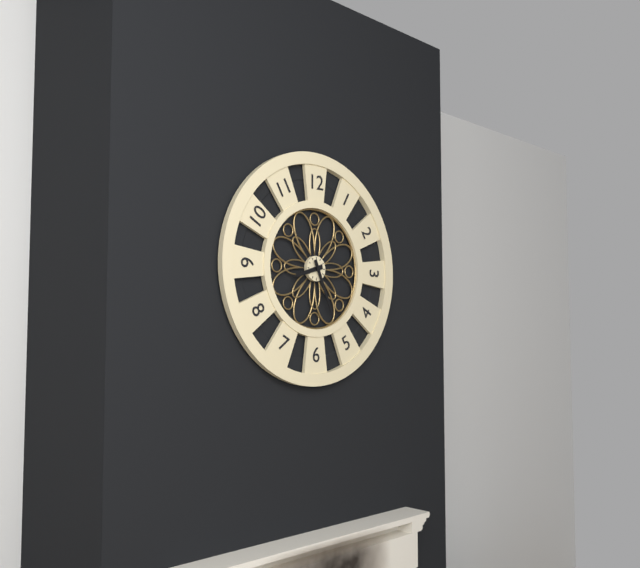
8:26
